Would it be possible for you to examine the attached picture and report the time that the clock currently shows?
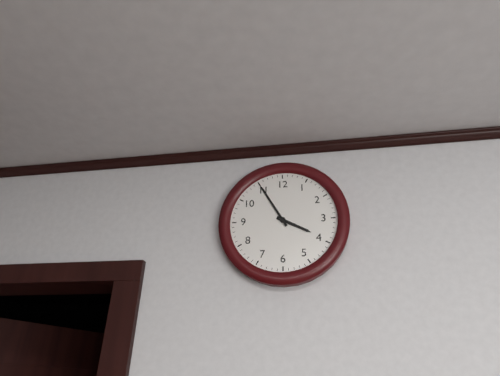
3:55
